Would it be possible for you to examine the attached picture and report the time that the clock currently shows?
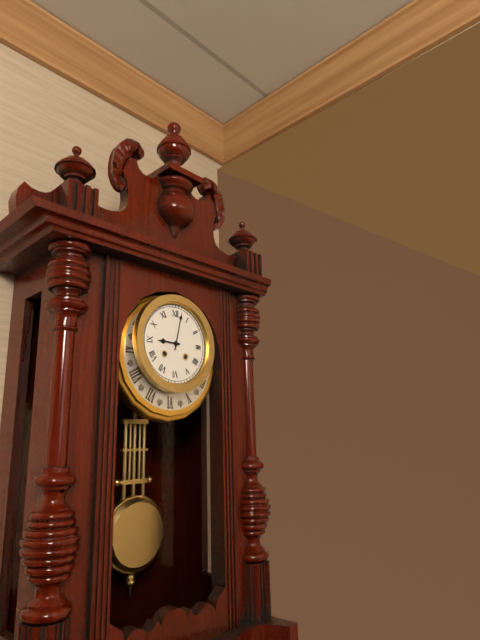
9:02
